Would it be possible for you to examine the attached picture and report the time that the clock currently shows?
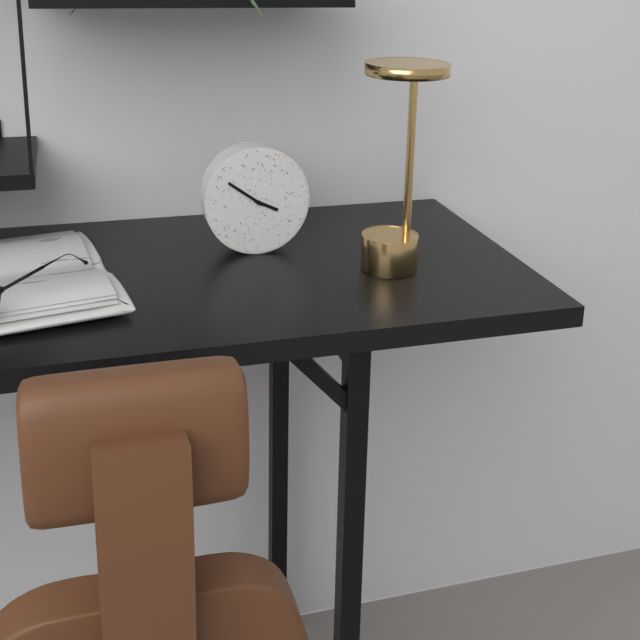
3:51
